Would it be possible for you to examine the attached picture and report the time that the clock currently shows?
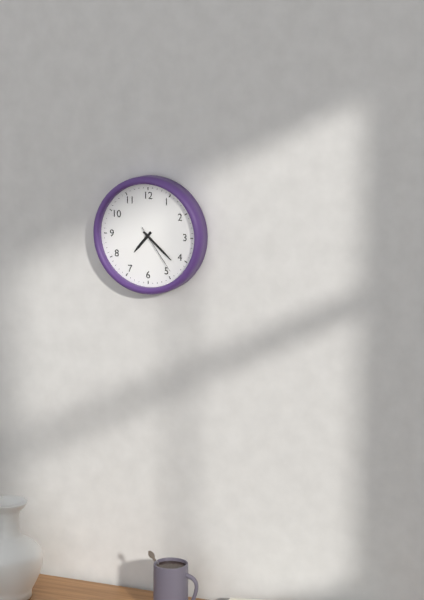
7:22:24
